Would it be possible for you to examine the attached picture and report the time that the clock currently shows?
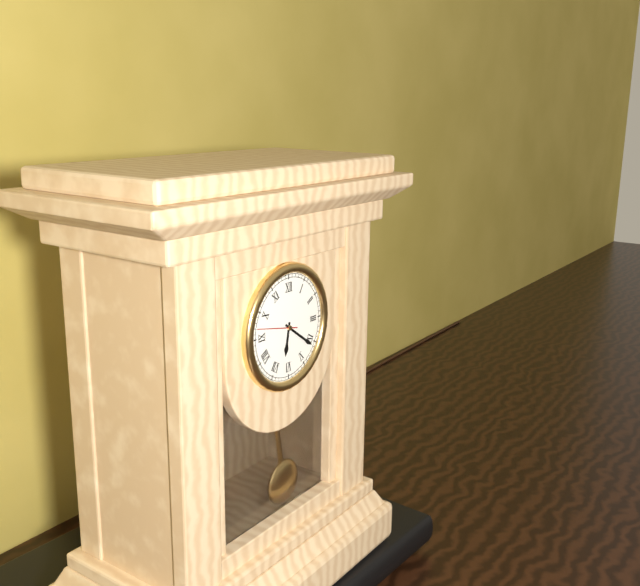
6:21
